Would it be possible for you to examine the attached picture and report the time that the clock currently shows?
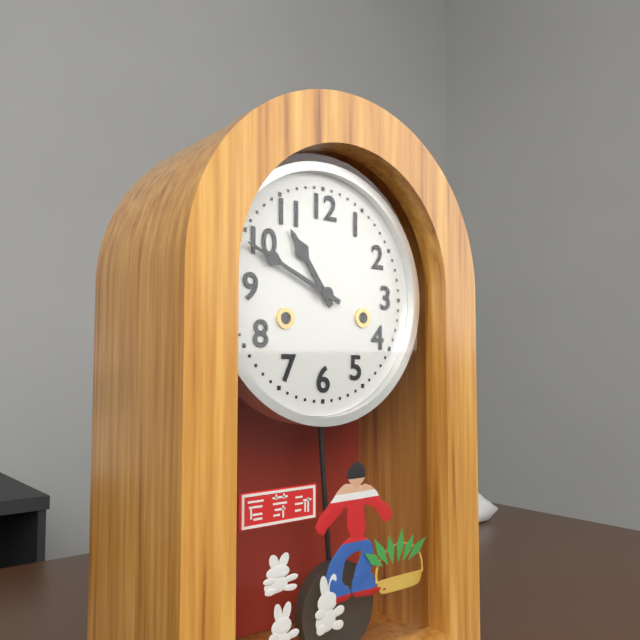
10:49
